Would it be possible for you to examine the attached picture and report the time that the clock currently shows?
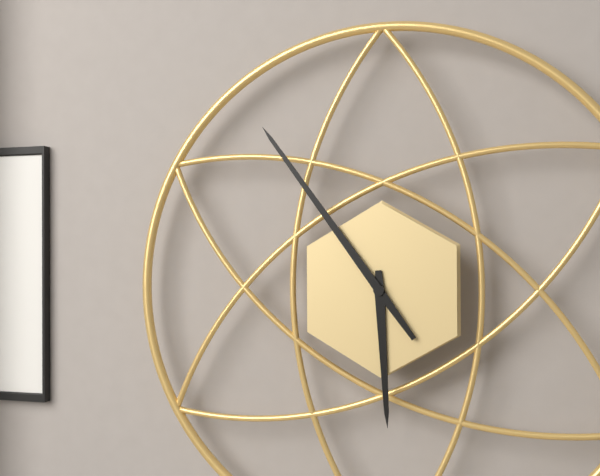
5:54
